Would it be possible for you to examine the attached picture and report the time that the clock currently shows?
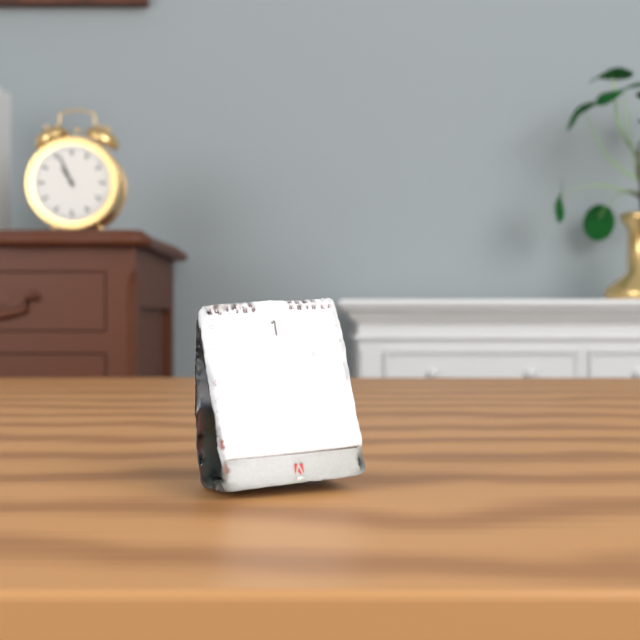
10:56
